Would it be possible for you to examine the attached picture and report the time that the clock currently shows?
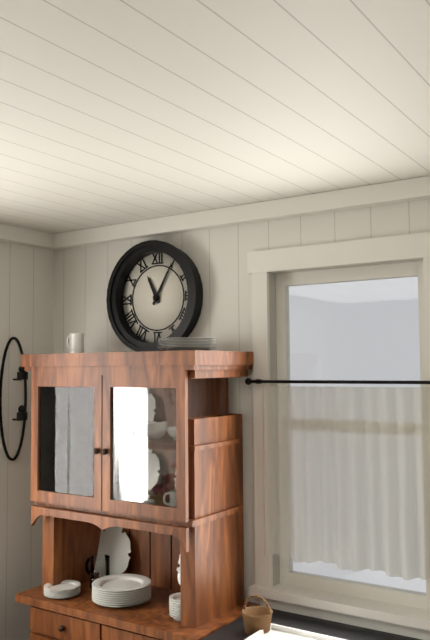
11:05
